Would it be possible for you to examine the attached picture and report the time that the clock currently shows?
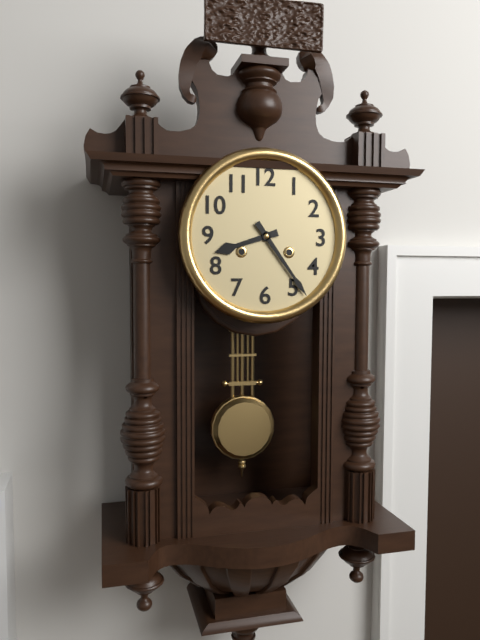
8:24
